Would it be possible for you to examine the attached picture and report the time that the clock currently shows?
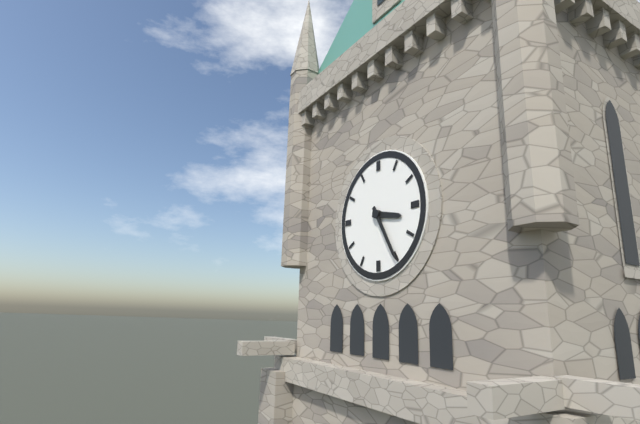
3:25
